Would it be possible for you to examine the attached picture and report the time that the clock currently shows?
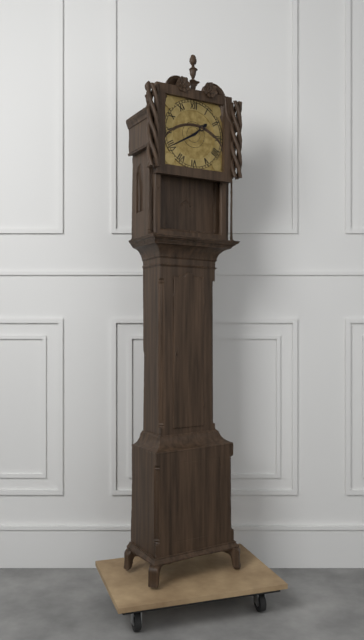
1:40
